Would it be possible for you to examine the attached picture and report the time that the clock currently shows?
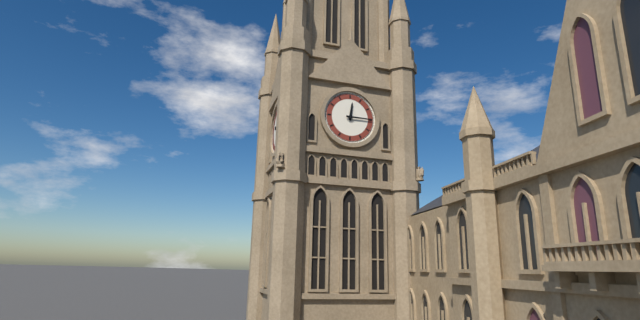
12:15
